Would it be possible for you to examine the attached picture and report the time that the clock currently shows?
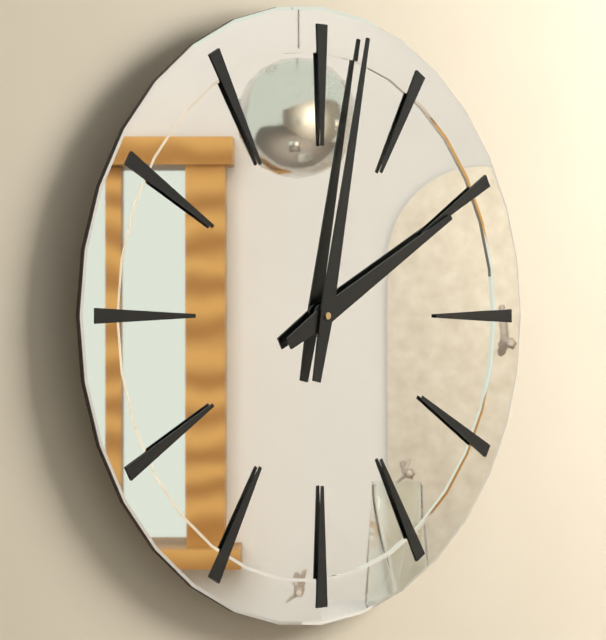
2:02
